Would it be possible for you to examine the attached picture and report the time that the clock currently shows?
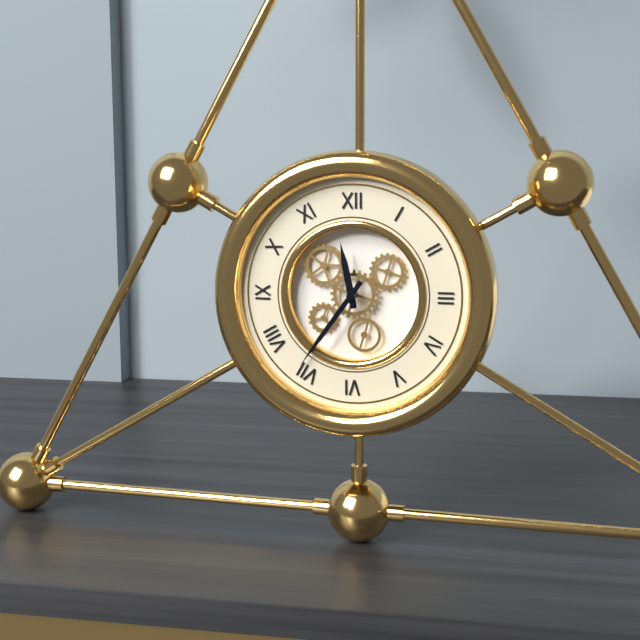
11:36
